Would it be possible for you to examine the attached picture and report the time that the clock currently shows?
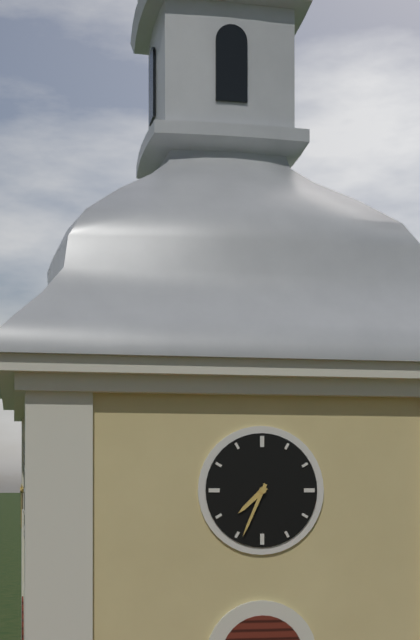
7:34
